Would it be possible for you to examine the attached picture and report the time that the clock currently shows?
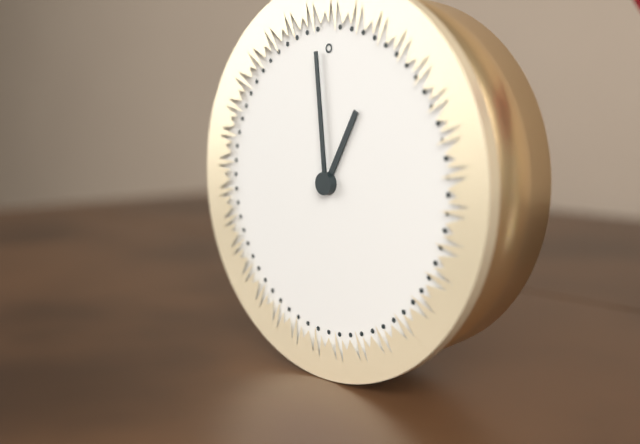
12:59
